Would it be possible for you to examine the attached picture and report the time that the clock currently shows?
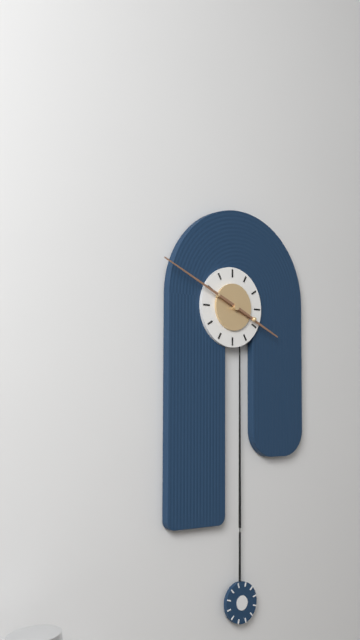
3:49
